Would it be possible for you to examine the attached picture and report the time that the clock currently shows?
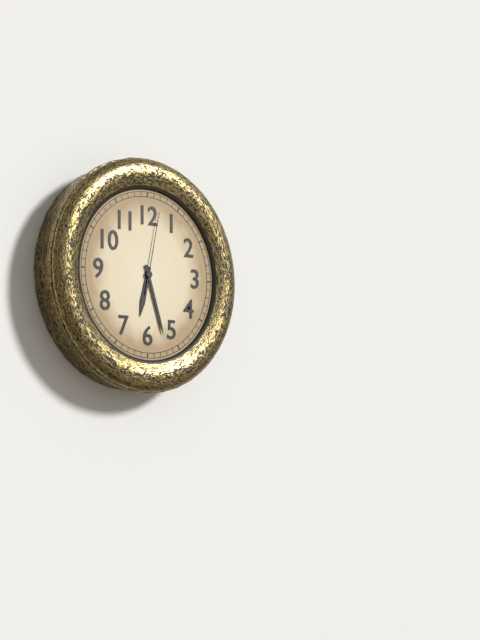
6:27:02
